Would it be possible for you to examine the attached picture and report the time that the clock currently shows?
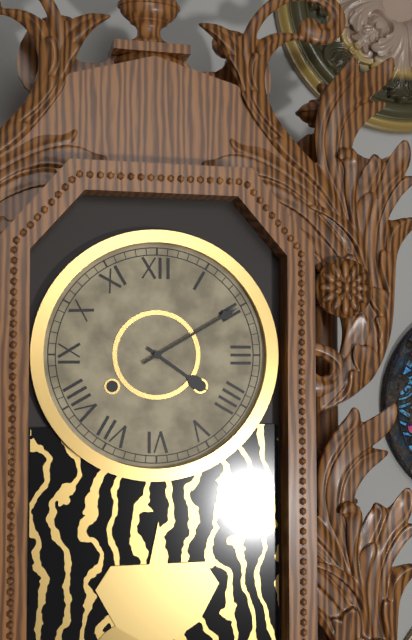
4:10
